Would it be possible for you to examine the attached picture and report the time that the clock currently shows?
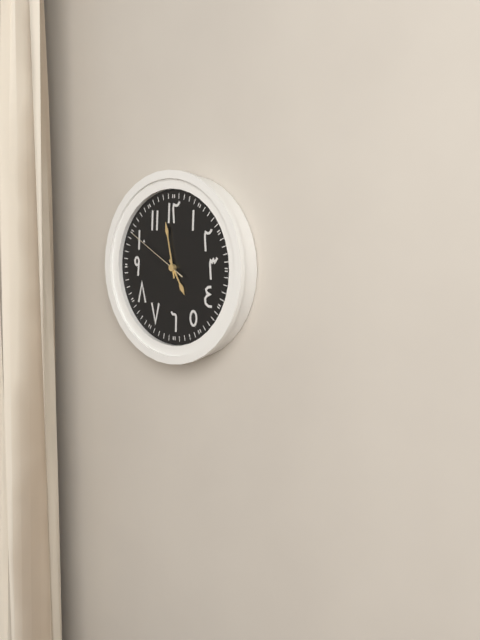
4:58:50
